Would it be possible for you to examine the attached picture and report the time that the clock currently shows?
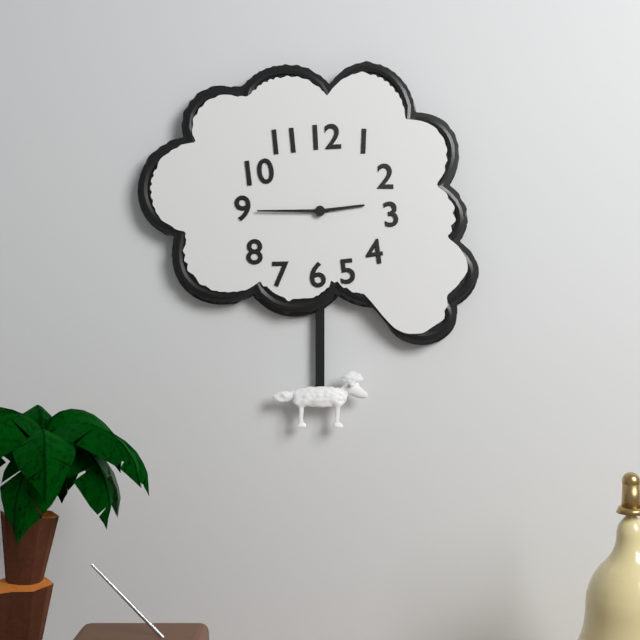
2:45
